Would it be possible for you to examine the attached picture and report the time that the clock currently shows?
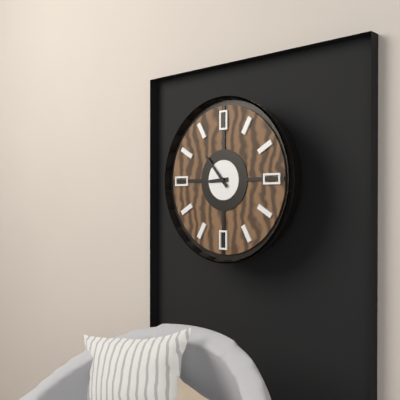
8:53
